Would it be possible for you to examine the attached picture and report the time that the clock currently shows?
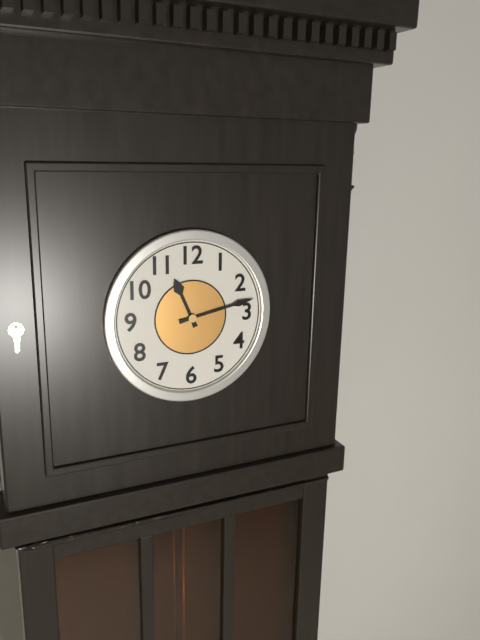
11:13
